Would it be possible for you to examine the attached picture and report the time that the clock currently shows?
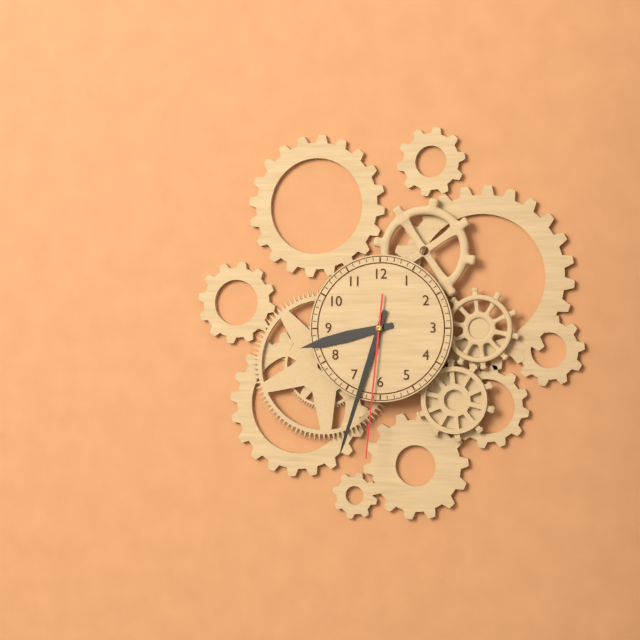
8:33:31
